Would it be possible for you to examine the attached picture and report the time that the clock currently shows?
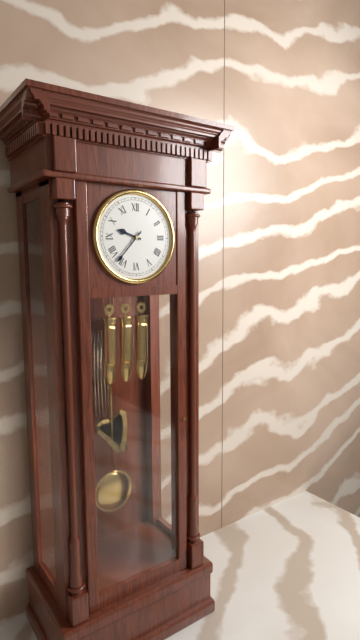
9:37
